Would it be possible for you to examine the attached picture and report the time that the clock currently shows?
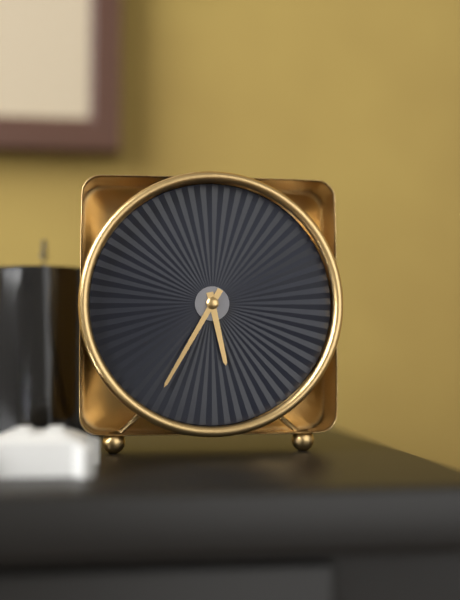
5:35
